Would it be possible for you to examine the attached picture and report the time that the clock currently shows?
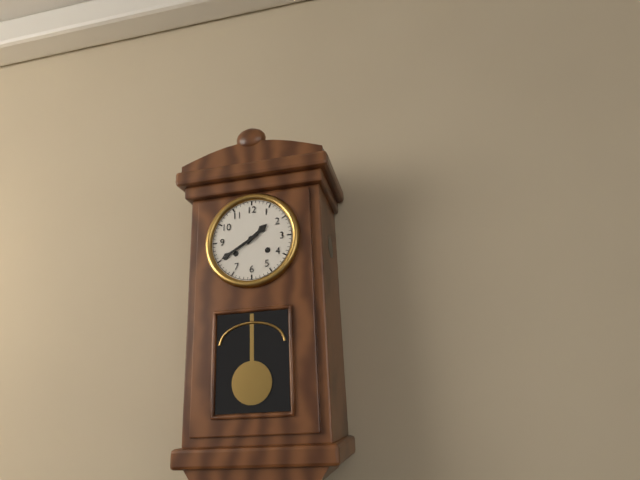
1:40
